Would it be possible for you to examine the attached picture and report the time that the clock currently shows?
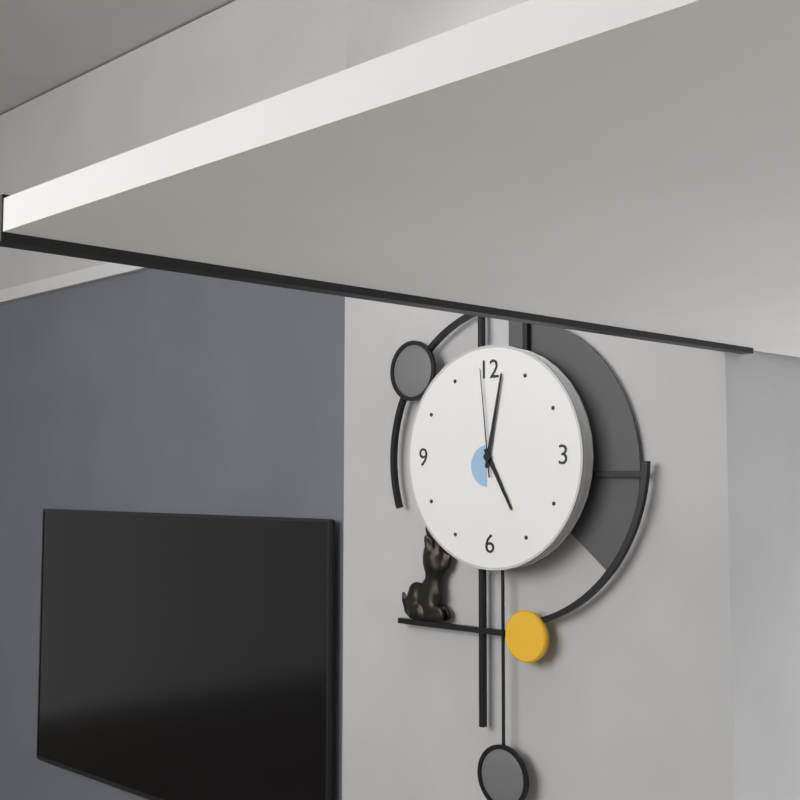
5:02:59
